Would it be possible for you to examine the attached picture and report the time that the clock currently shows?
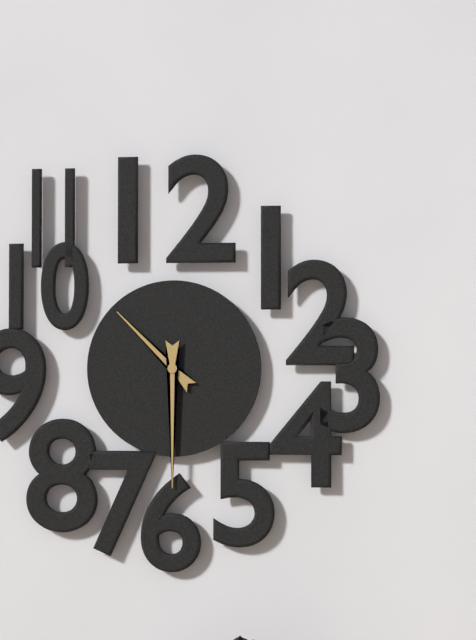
10:30
